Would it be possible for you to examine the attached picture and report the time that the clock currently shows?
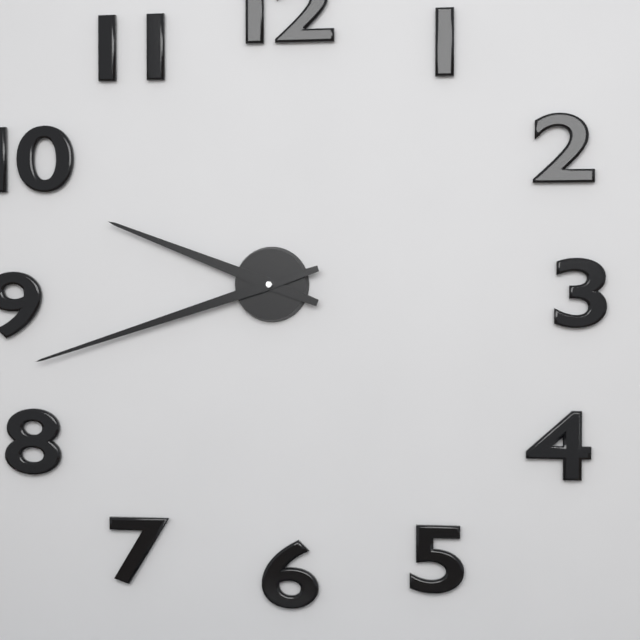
9:42
